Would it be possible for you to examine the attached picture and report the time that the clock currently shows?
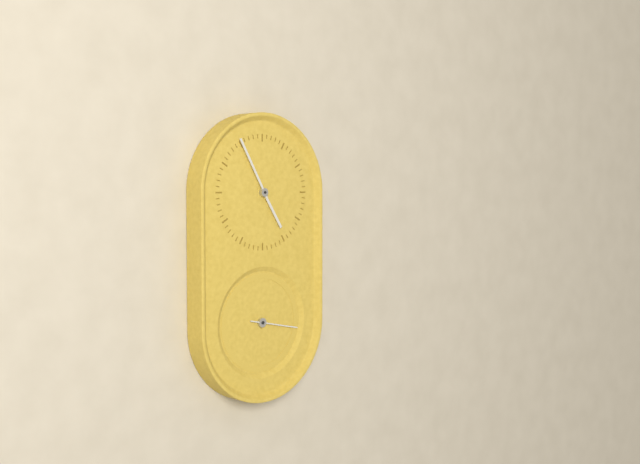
4:55
